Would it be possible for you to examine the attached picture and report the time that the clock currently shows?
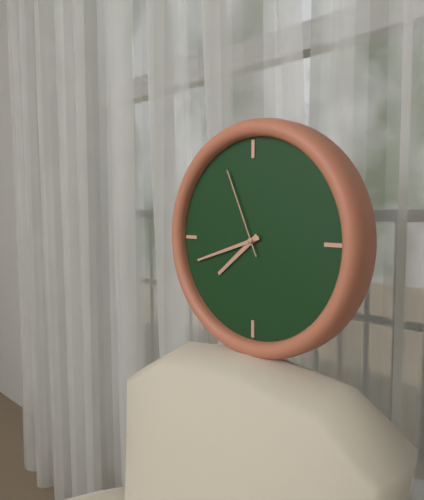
7:42:56
